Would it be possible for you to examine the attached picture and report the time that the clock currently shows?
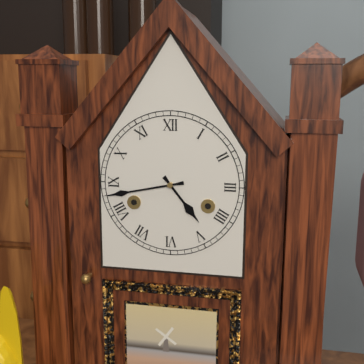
4:43
